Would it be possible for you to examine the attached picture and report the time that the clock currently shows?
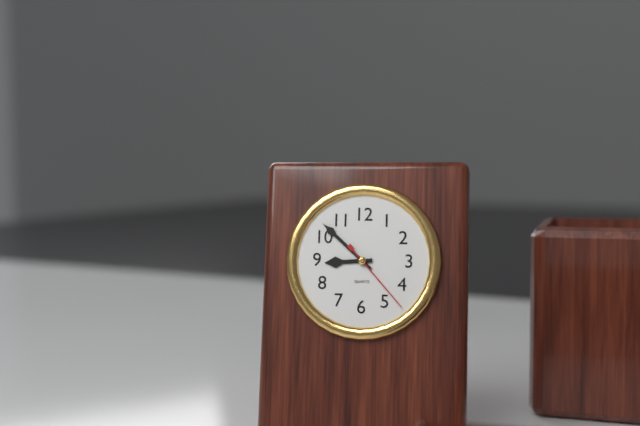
8:52:23
